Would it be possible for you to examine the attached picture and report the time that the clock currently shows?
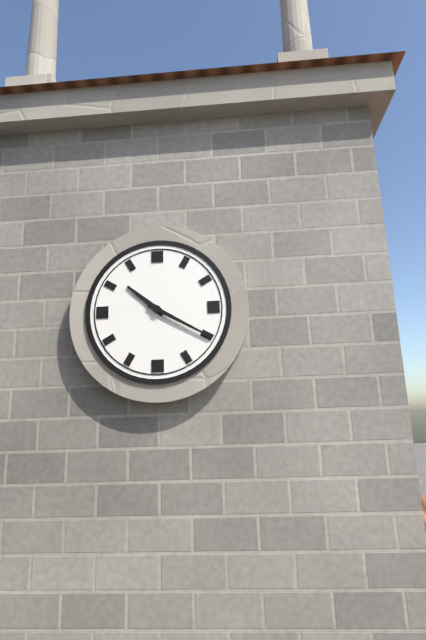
10:20
